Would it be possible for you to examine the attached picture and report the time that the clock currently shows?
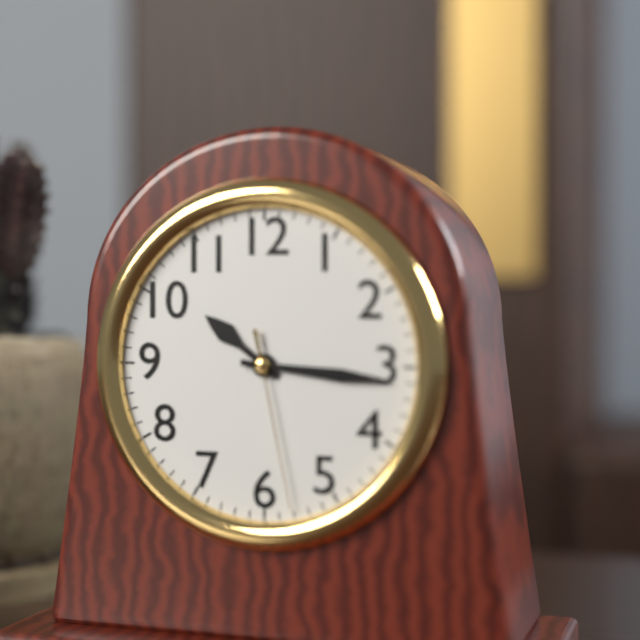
10:16:28
